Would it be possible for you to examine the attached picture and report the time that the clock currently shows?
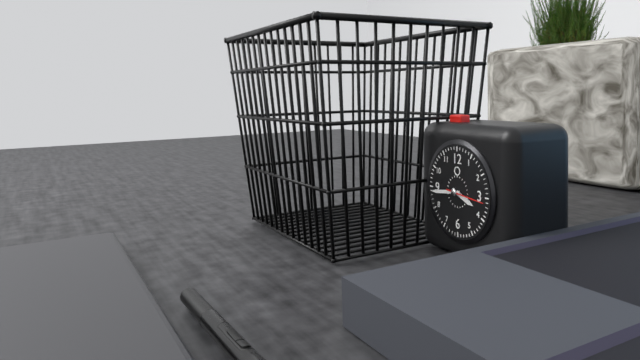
3:44
